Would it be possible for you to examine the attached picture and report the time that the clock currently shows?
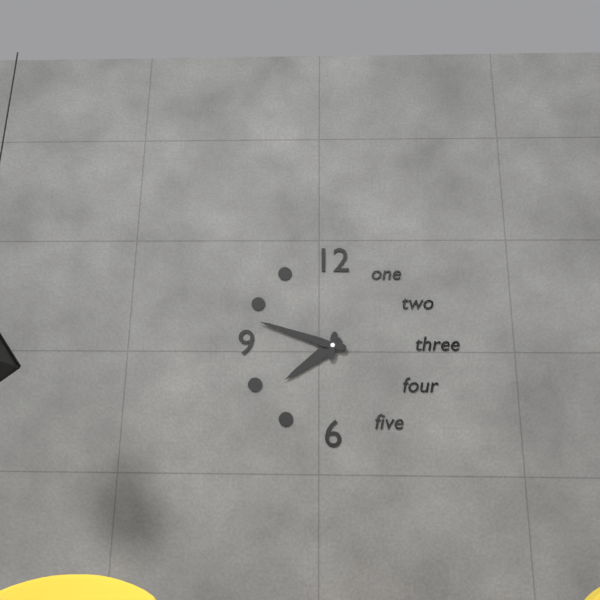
7:48
